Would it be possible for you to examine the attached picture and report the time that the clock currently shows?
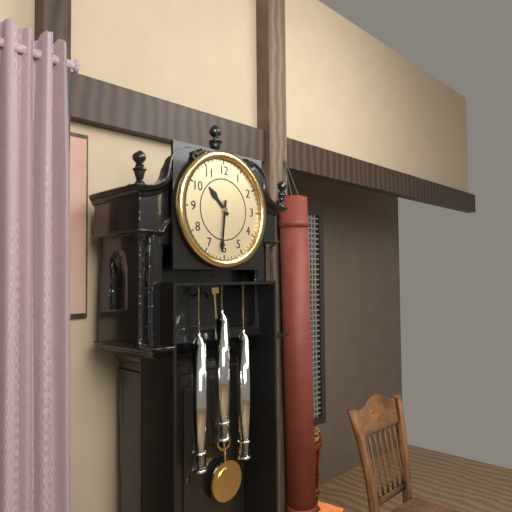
10:31
